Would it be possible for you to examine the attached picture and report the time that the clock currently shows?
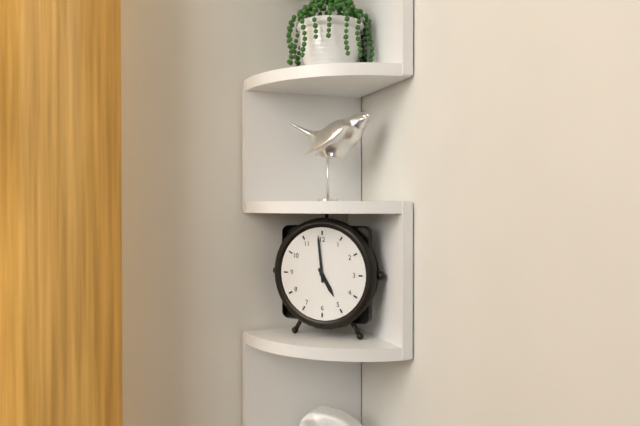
4:59
